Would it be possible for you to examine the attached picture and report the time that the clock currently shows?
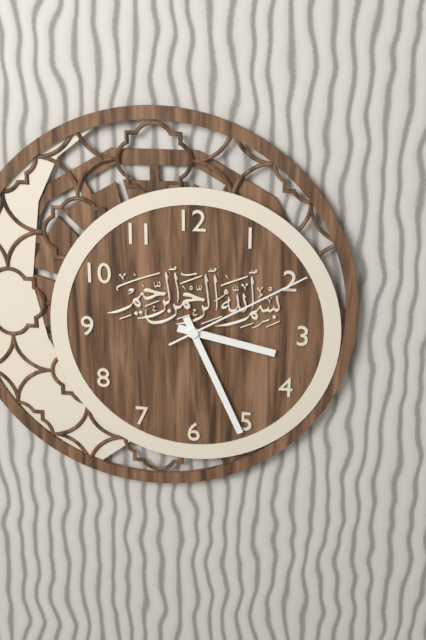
3:26:10
